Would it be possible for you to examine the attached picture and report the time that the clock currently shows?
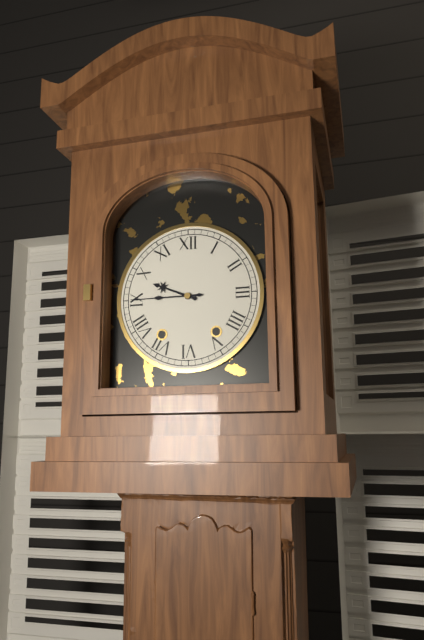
9:45
